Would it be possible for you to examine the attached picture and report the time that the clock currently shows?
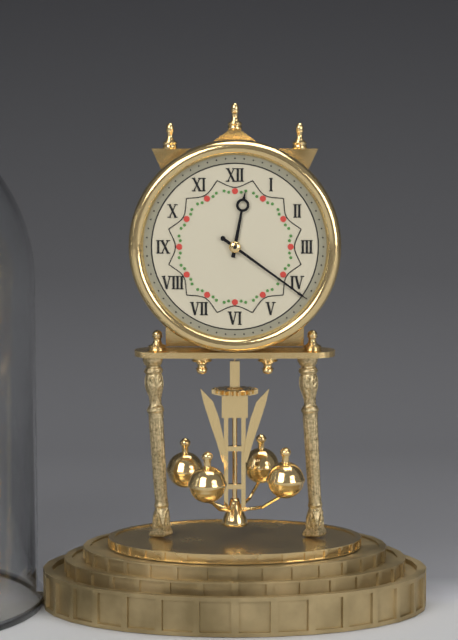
12:21
